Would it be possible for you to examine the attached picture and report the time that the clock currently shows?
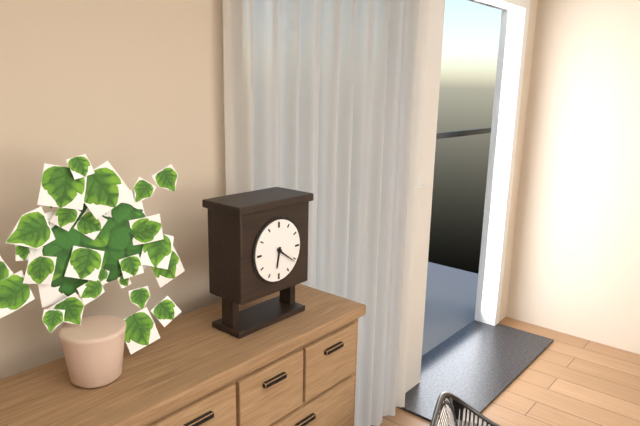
6:21
